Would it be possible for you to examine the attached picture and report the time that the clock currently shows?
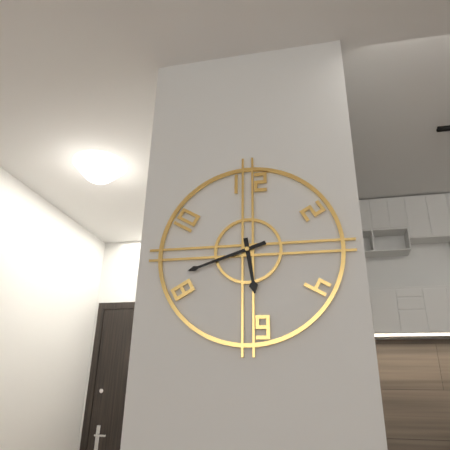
5:42
